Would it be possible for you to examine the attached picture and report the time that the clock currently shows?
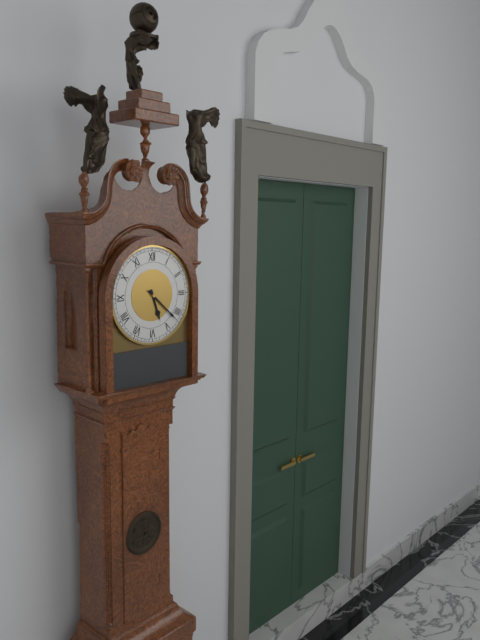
5:22
